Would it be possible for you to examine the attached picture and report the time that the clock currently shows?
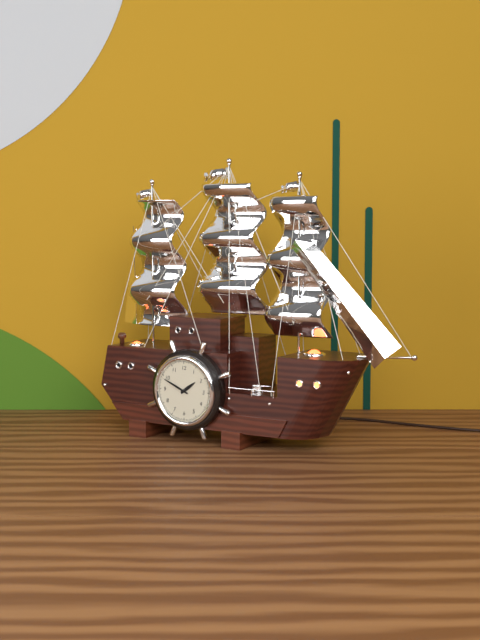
1:49
